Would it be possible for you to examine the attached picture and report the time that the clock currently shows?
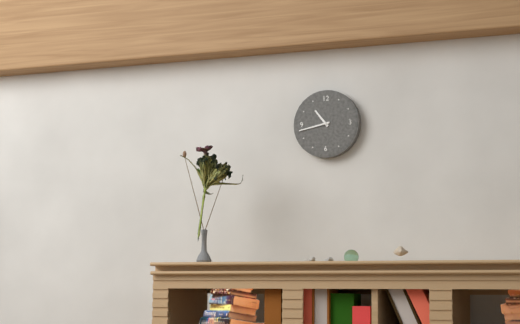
10:43
